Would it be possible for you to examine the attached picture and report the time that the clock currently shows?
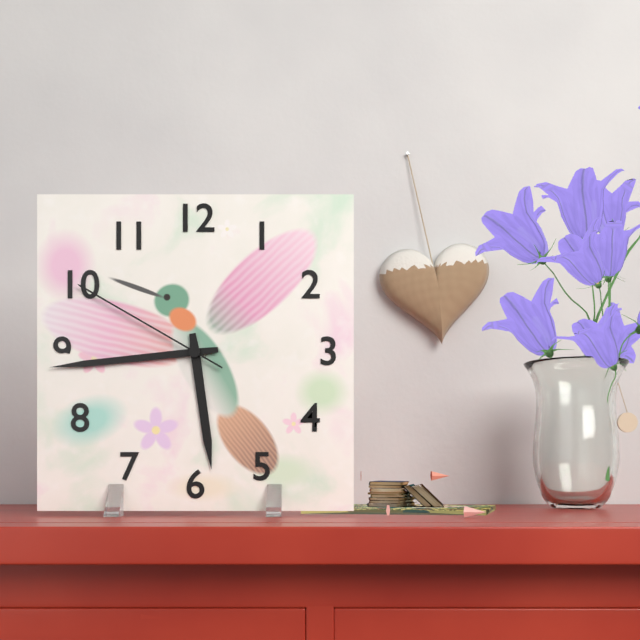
5:44:50
